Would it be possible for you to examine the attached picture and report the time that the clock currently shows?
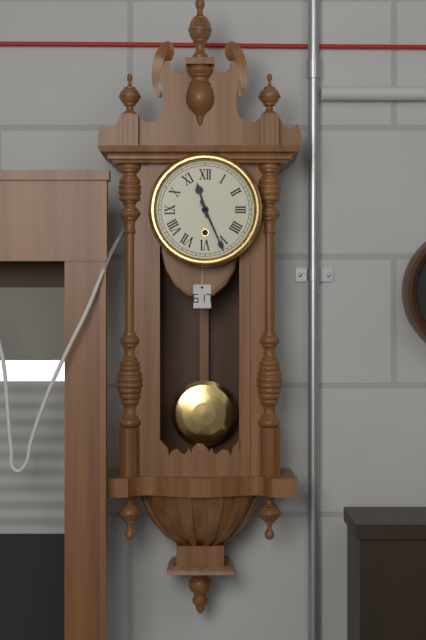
11:26
